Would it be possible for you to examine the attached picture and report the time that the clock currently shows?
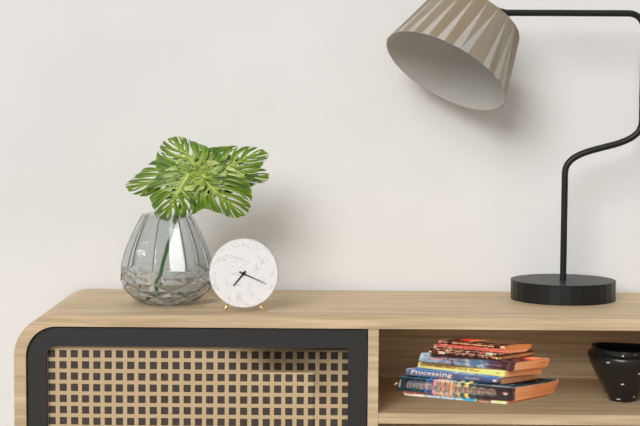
7:19
